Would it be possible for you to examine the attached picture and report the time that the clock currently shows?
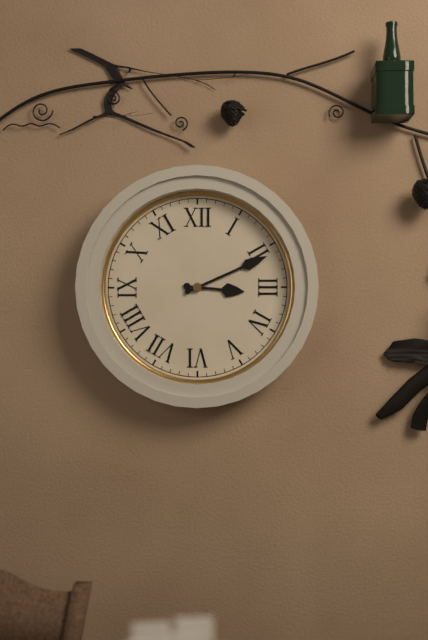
3:11
